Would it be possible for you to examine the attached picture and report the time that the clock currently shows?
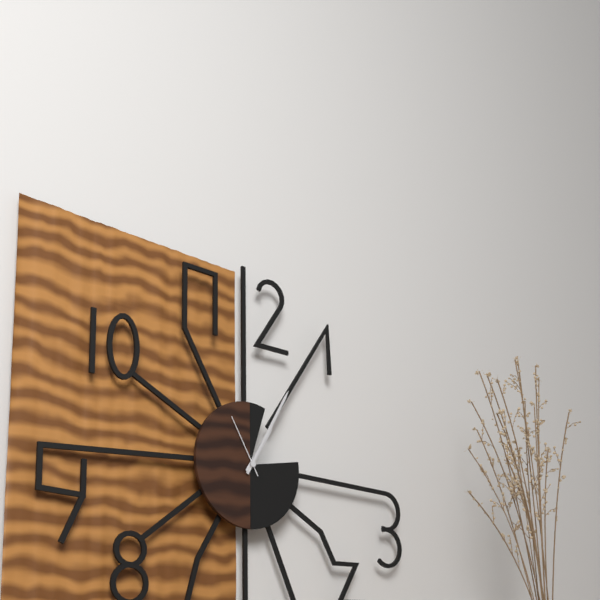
1:05:55
